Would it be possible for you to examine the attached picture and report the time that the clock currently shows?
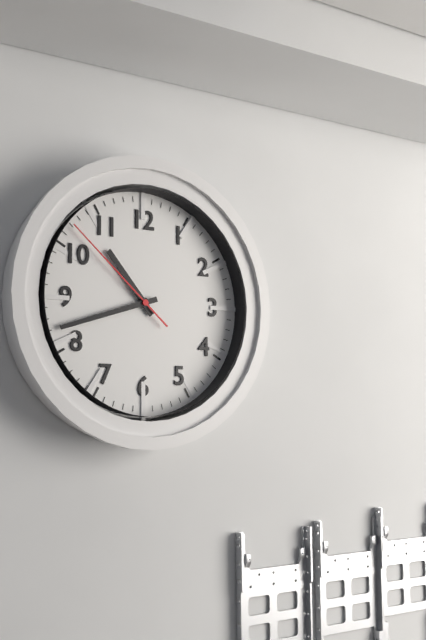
10:42:52
